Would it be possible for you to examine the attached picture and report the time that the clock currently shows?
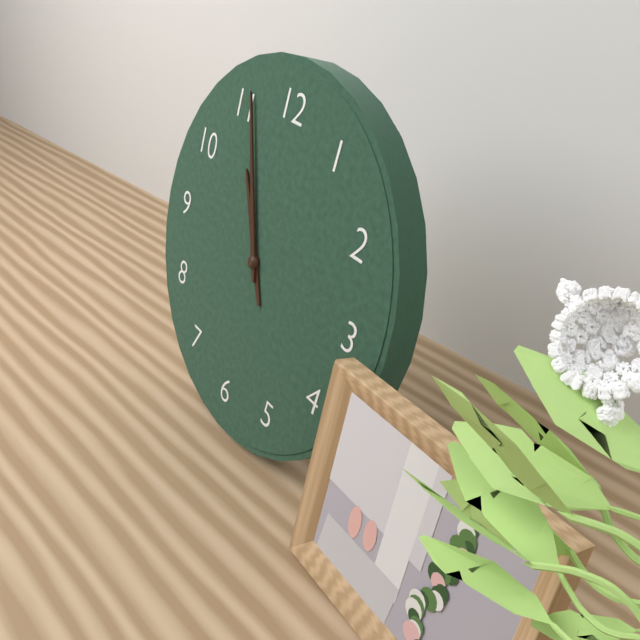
10:56
